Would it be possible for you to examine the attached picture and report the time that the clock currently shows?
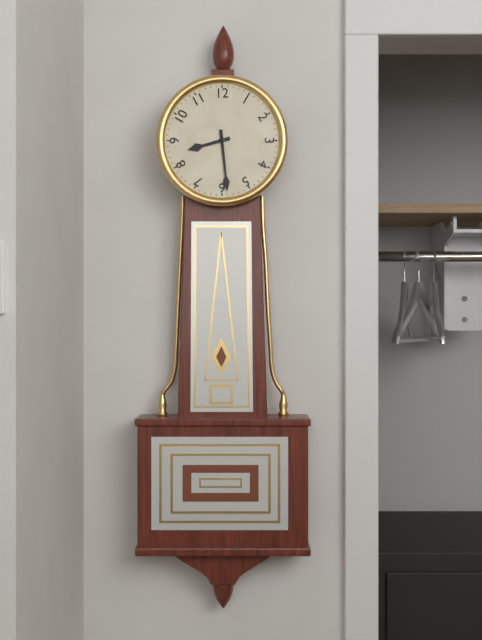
8:29
